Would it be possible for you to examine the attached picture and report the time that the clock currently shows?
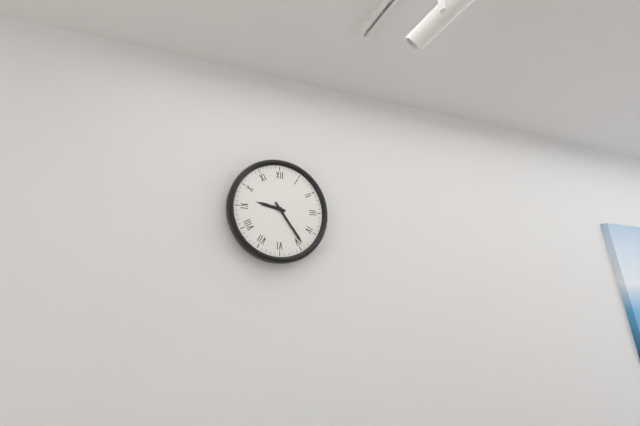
9:24
